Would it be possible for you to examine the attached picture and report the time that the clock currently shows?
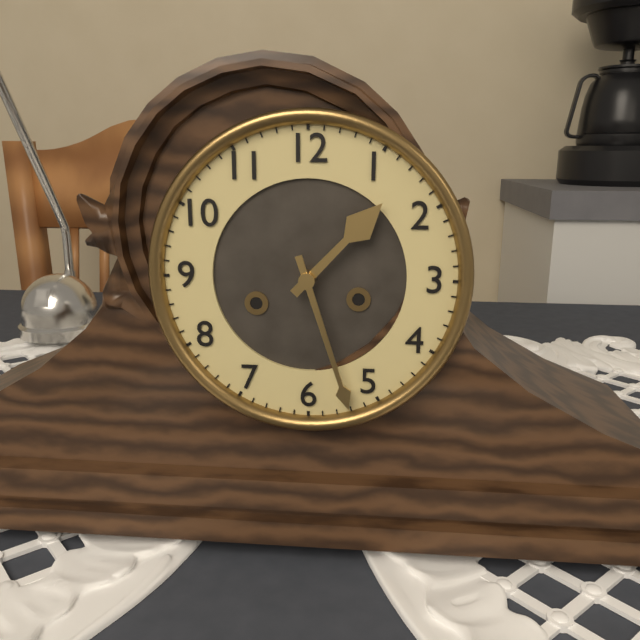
1:27
